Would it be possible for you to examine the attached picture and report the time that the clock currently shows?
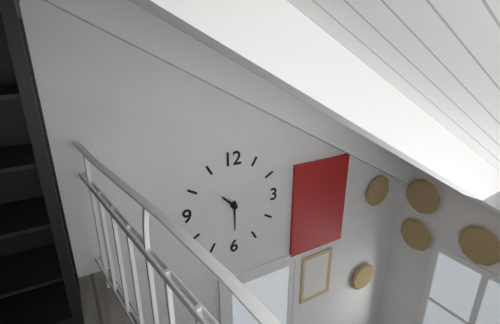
10:30
